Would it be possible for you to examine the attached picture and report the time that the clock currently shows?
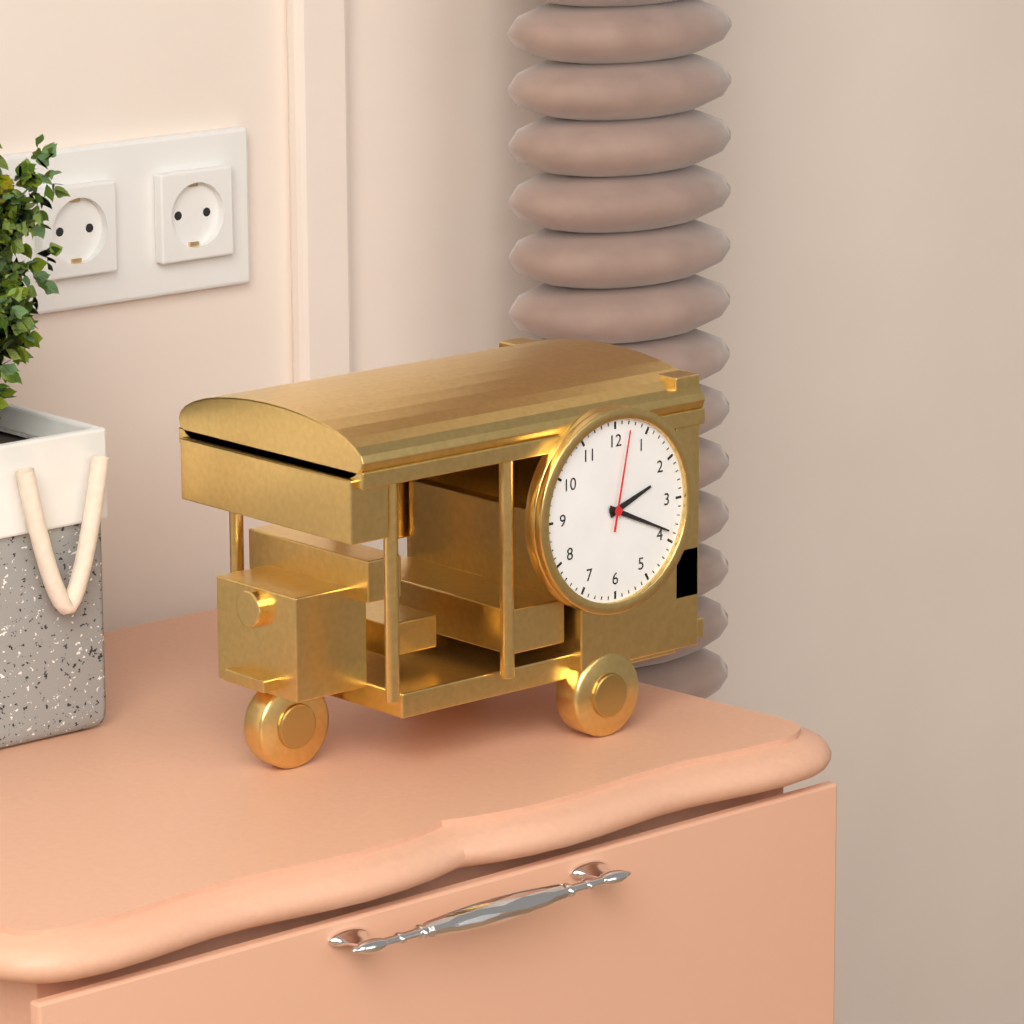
2:19:02
